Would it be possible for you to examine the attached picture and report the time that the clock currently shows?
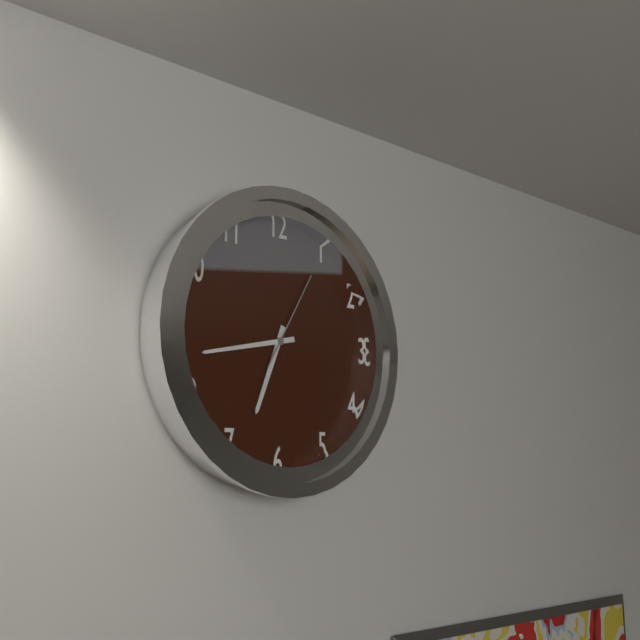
6:43:05
